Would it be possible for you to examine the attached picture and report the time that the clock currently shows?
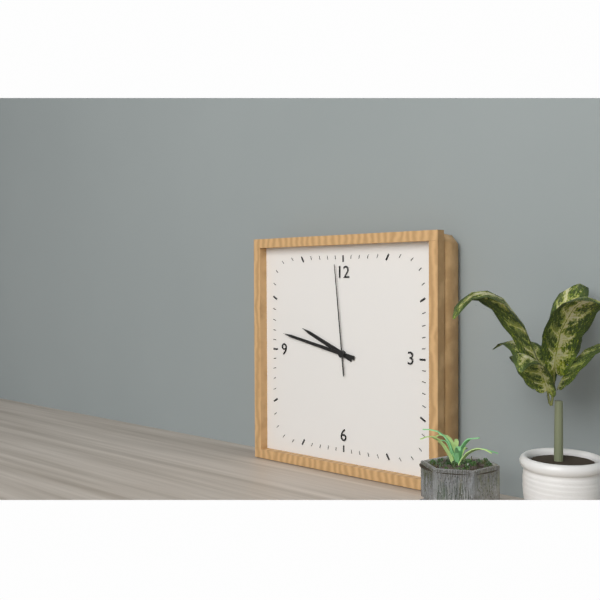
9:47:59
